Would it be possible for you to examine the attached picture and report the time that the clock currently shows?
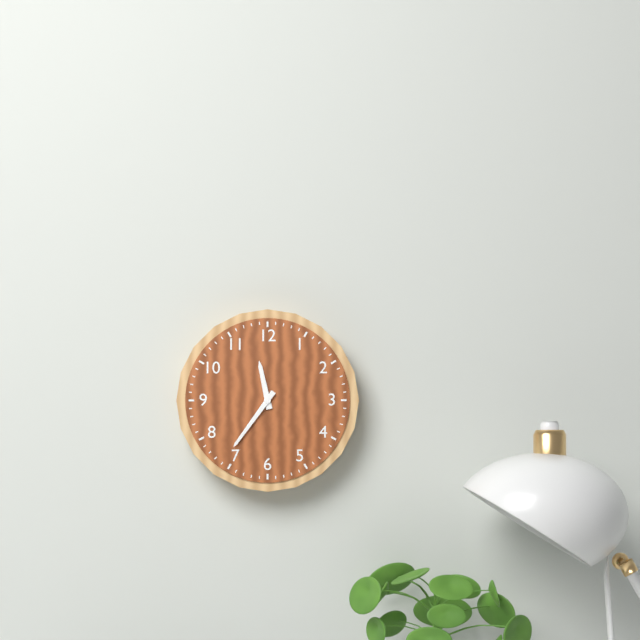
11:36
